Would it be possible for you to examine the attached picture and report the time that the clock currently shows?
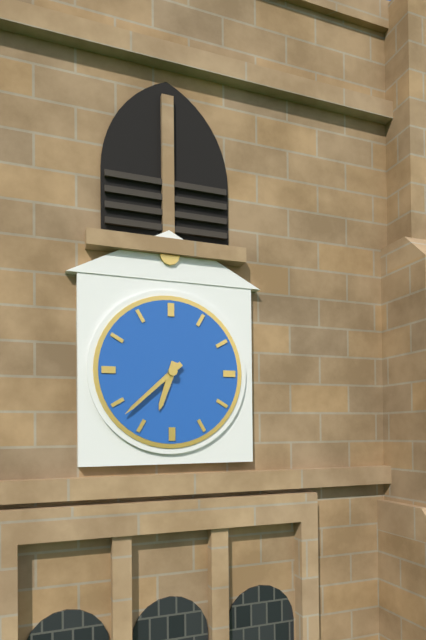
6:38
